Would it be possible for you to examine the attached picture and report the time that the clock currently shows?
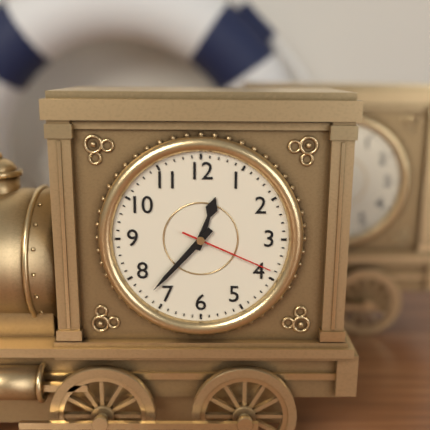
12:37:19
